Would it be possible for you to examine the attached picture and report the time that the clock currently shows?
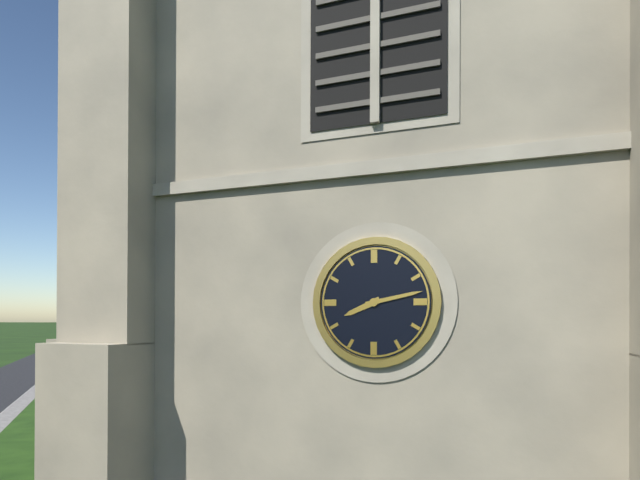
8:13
